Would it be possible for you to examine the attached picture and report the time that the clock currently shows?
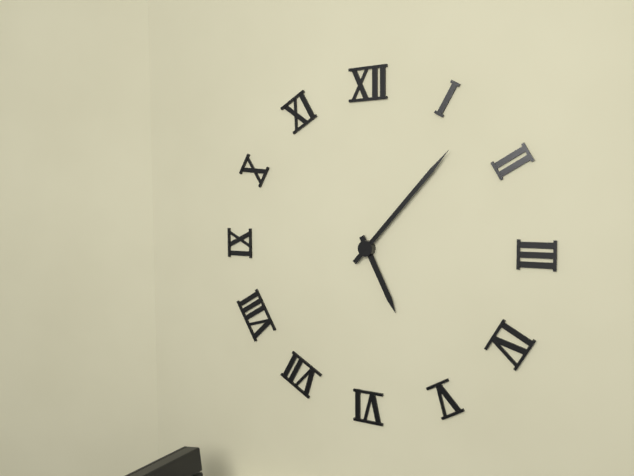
5:07
